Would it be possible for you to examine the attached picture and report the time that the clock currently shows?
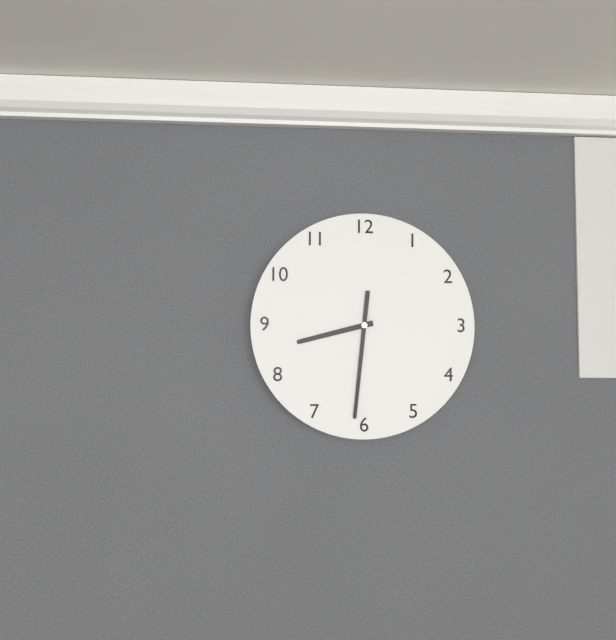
8:31
